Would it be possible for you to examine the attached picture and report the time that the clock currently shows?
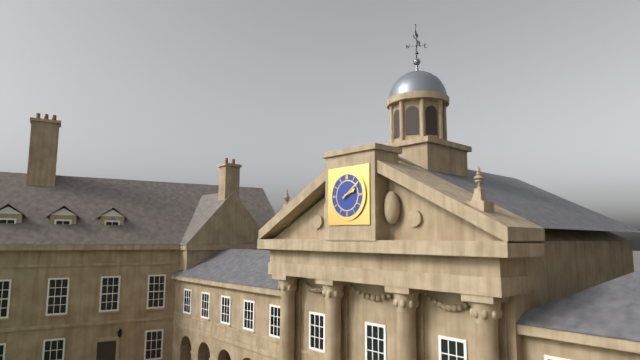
2:09
